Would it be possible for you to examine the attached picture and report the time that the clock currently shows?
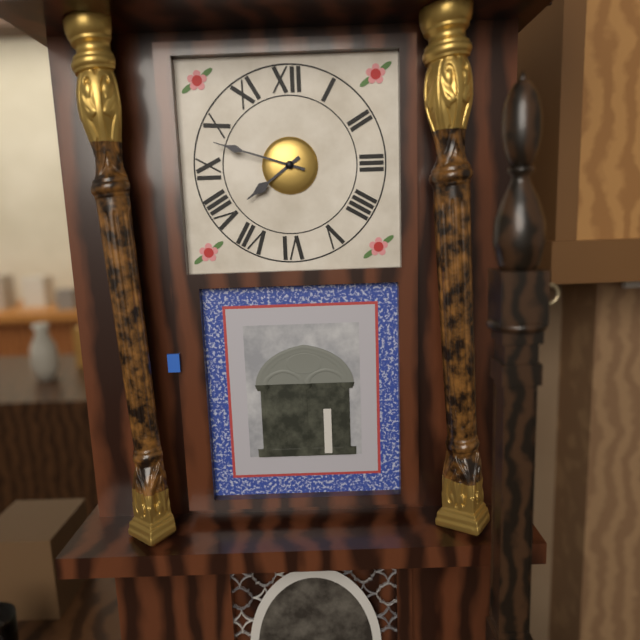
7:48
